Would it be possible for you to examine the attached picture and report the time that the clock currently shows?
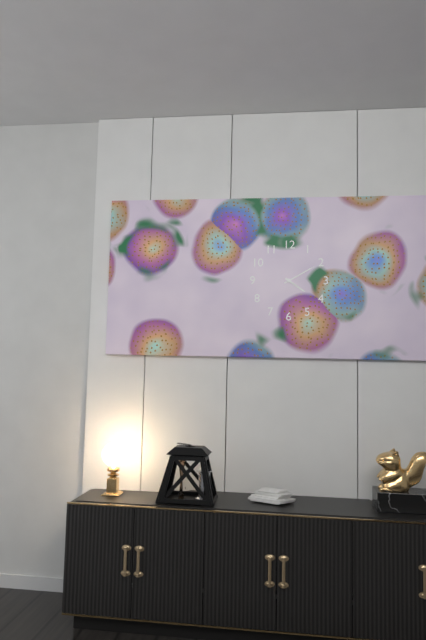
4:10
